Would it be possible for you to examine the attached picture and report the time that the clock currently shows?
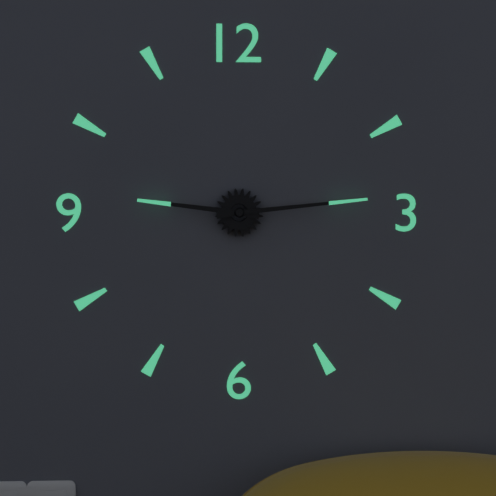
9:14
